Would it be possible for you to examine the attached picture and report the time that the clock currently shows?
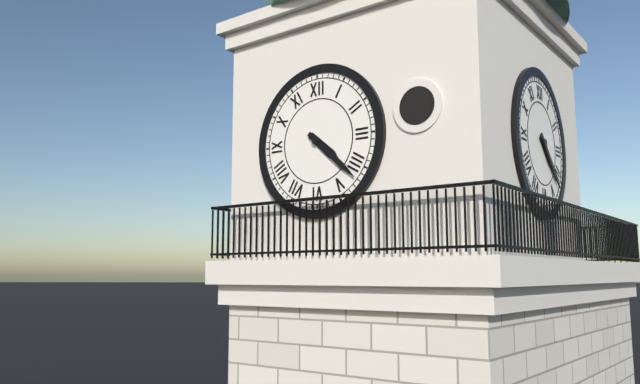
4:22
